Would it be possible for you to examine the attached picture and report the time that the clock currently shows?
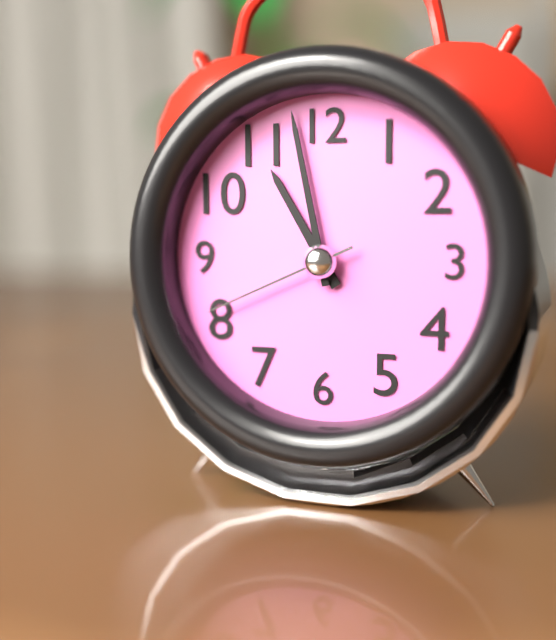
10:58:41
